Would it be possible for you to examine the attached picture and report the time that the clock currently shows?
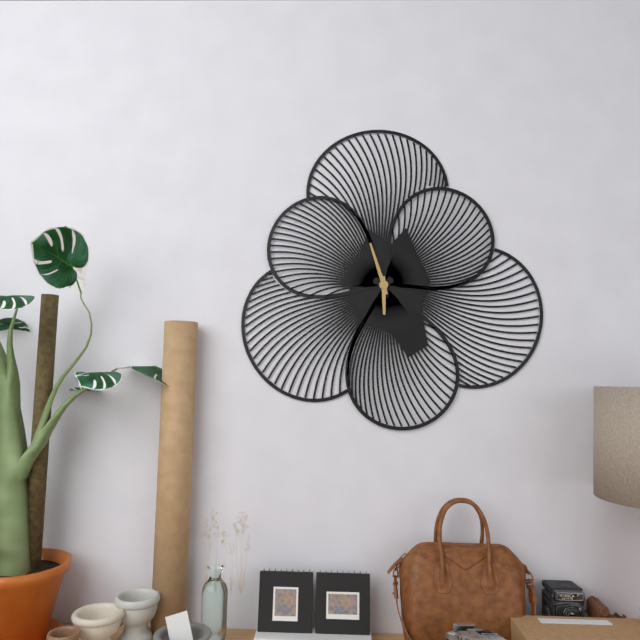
5:57
